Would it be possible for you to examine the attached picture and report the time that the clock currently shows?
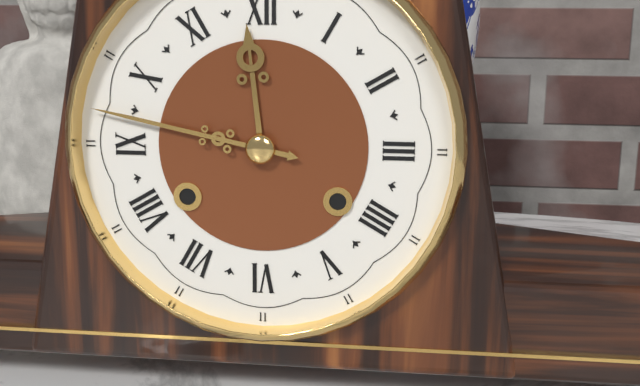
11:47
